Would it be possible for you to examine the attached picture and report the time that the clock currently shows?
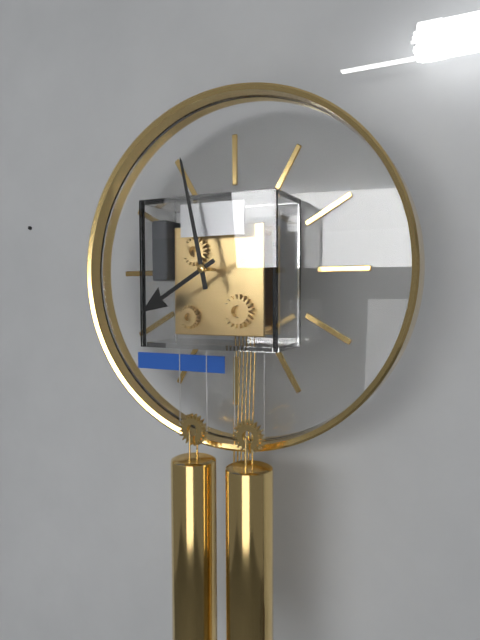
7:58
